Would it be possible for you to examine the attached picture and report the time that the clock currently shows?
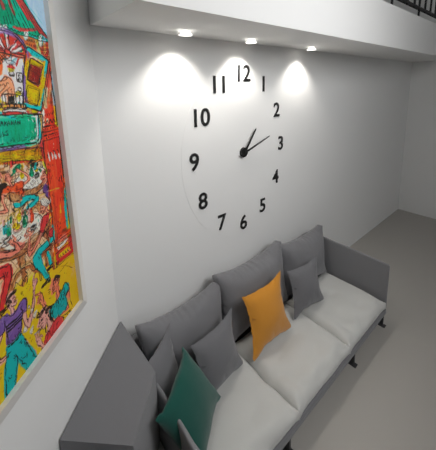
1:12
